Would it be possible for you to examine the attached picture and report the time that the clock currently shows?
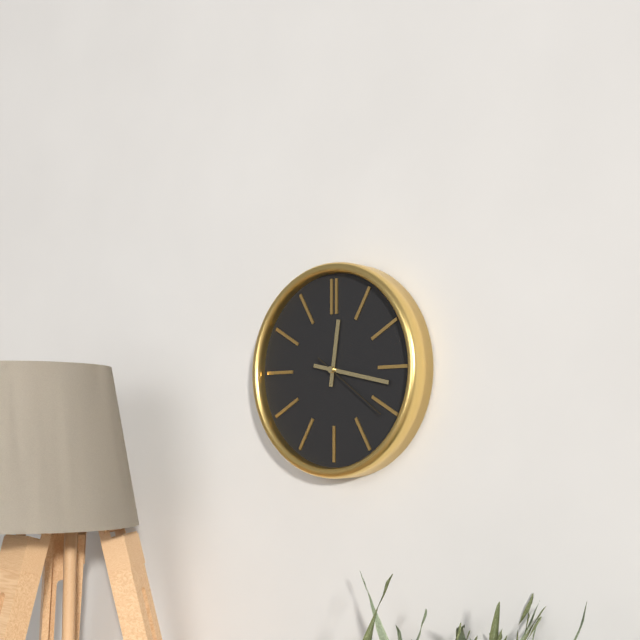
12:17:21
